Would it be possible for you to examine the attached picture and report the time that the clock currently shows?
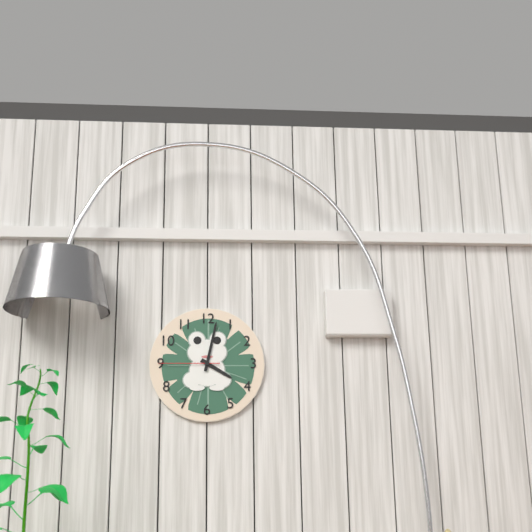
4:02:45
